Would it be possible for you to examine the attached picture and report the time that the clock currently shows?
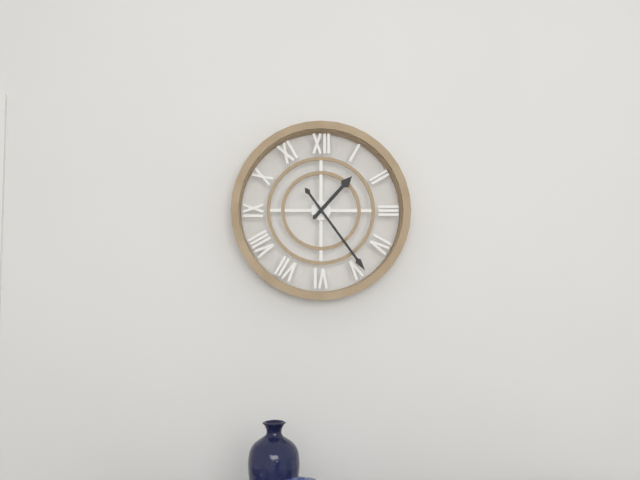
1:24
